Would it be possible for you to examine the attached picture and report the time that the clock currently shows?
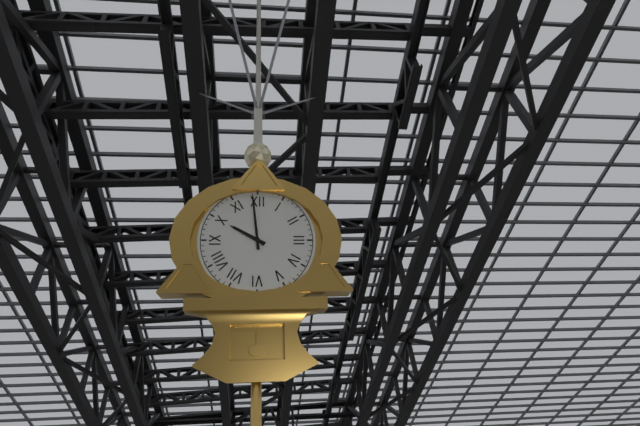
9:59
